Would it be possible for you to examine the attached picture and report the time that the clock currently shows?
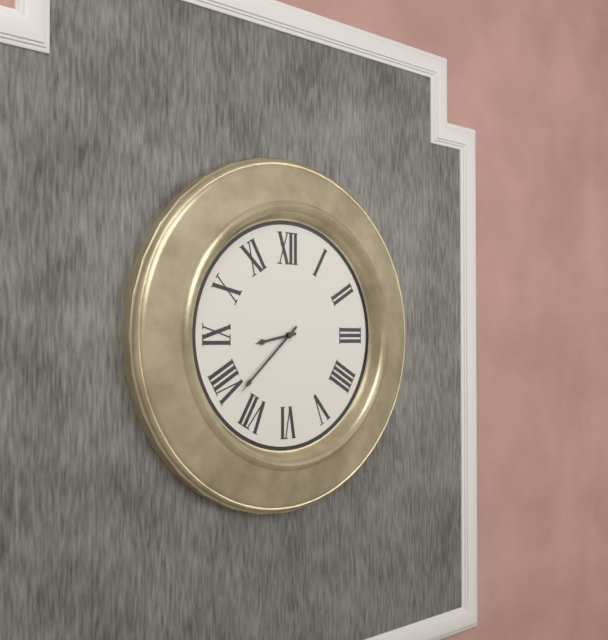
8:38
